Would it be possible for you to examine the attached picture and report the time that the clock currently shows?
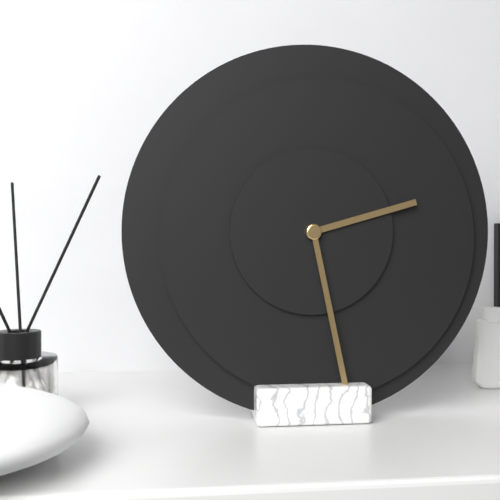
2:28
